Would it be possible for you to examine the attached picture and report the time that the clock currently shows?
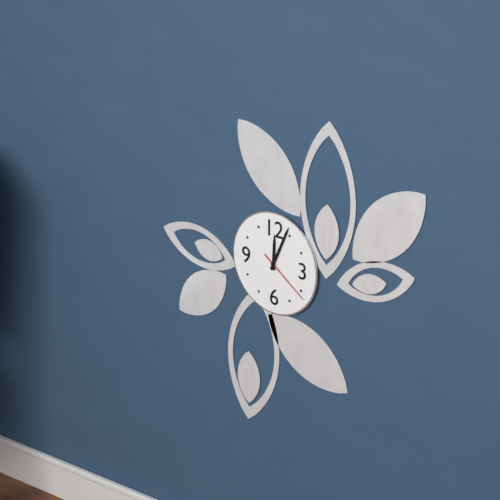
12:04:21
